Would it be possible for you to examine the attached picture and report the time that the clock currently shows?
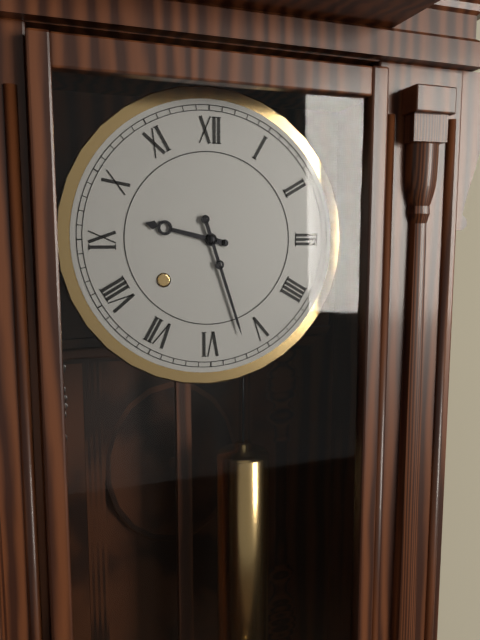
9:27
